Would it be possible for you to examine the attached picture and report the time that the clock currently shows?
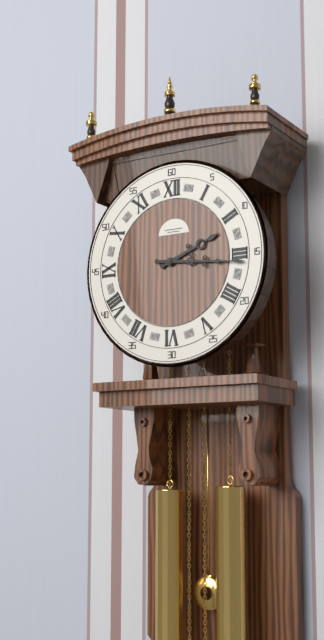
2:16
